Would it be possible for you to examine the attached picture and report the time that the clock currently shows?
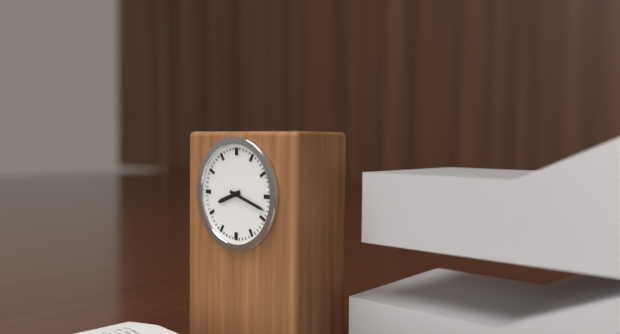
8:18
